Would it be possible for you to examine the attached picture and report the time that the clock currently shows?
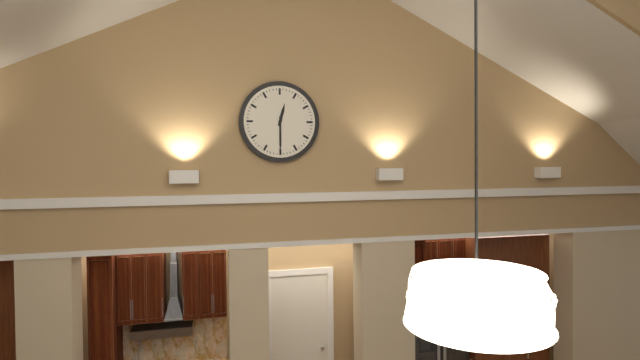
12:30
